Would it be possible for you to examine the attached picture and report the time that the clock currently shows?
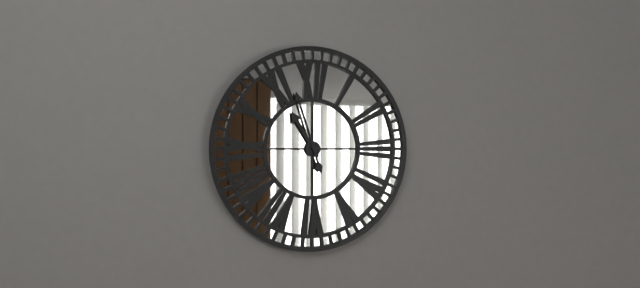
10:57
